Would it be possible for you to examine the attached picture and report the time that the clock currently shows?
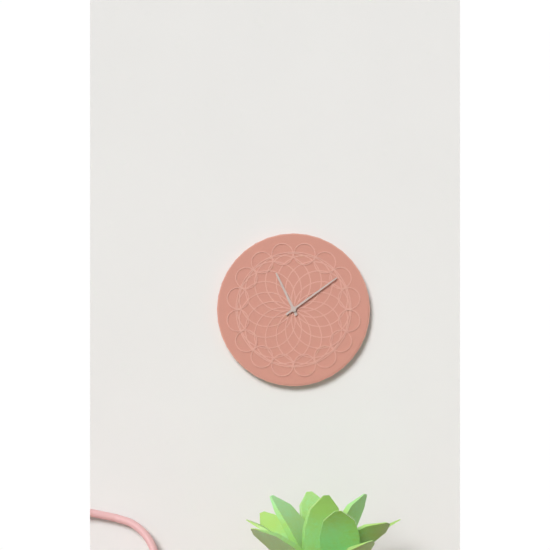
11:09
